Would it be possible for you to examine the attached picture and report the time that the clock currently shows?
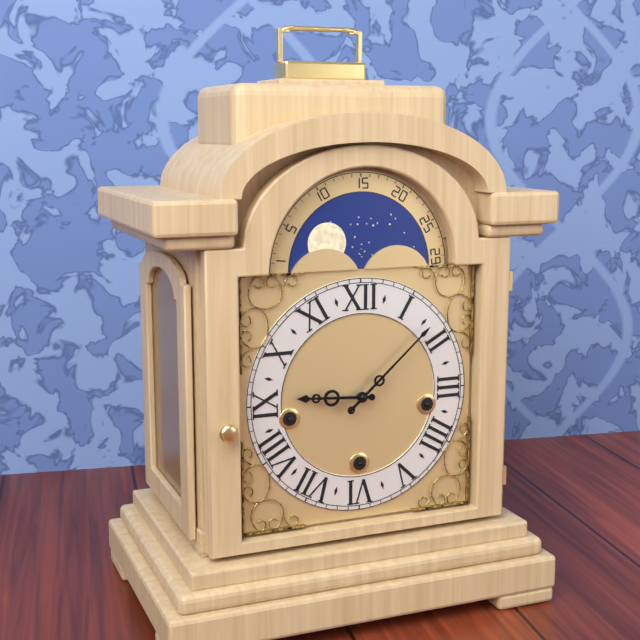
9:08
